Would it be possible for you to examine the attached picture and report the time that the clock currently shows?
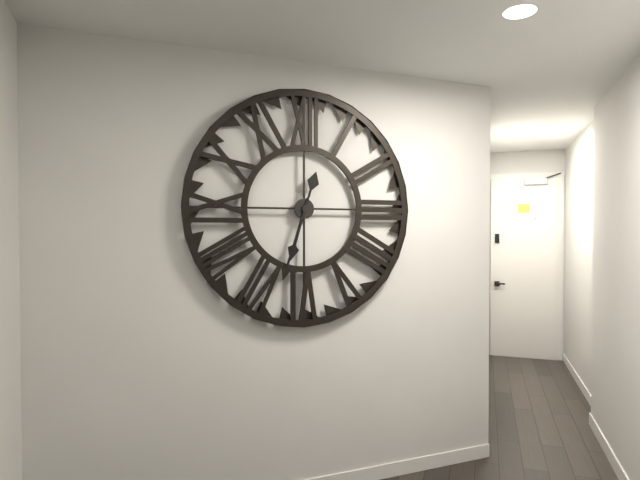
6:33
